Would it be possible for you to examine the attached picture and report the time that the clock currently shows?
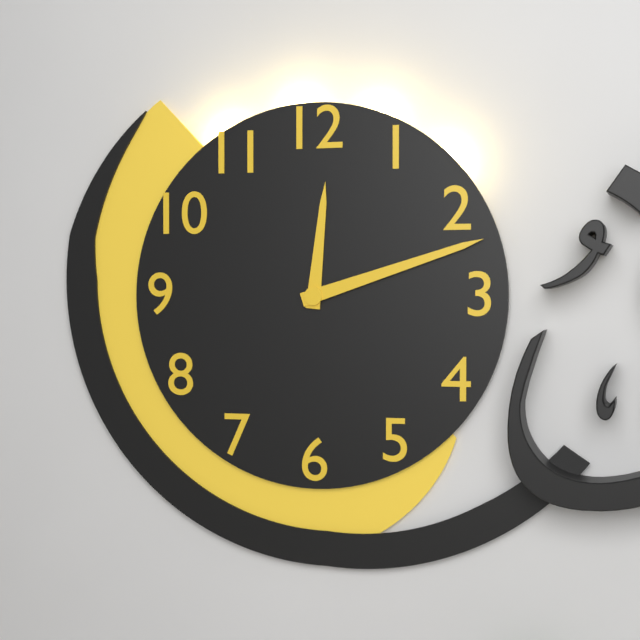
12:12
